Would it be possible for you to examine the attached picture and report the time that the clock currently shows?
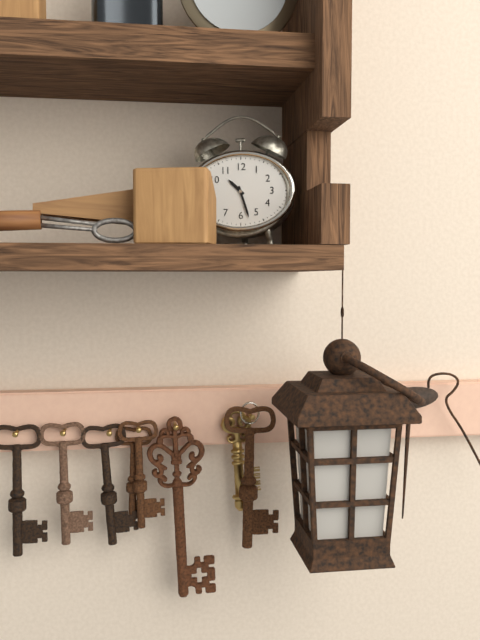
10:27
